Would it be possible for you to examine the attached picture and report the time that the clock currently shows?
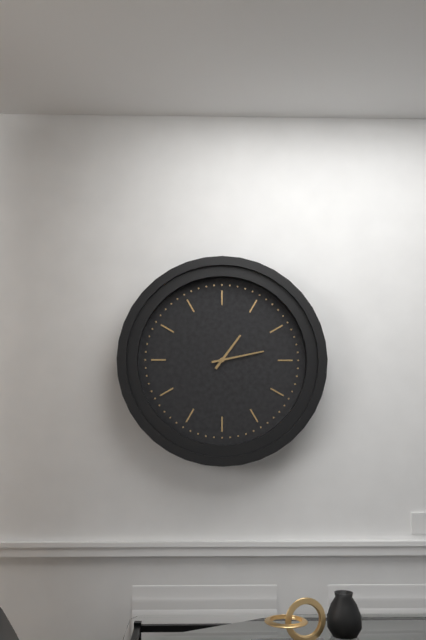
1:13
